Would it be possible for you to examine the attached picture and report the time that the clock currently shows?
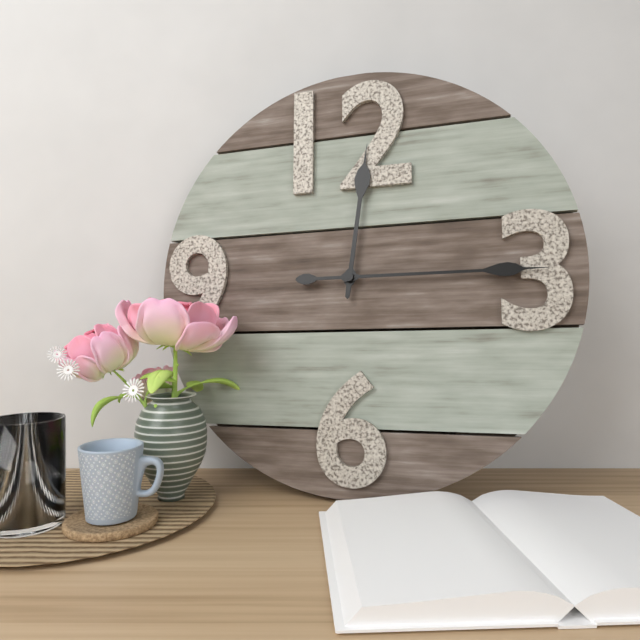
12:15
